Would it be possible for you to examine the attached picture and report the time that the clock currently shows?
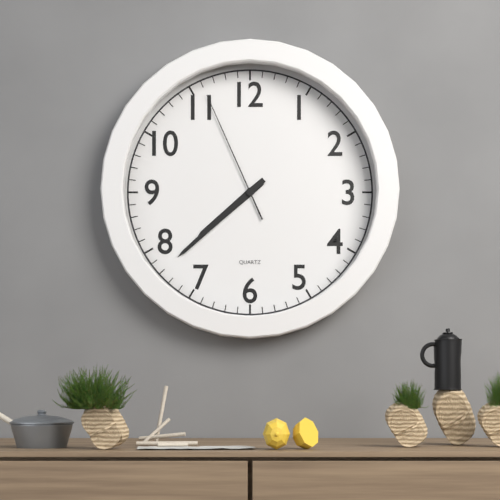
7:38:56
